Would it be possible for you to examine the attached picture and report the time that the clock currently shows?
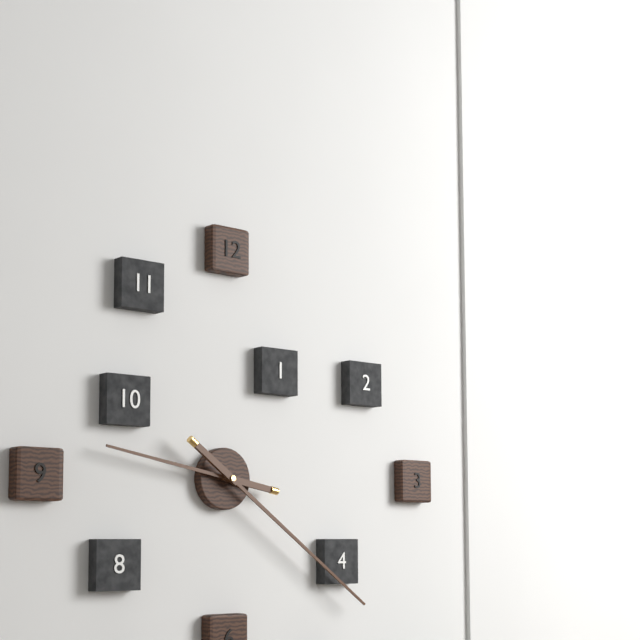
9:21
